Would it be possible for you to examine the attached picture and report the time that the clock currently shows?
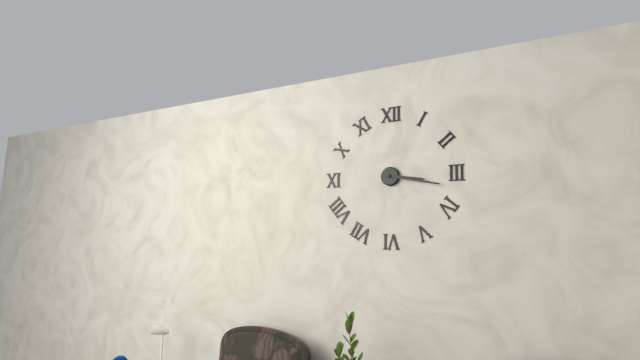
3:17
